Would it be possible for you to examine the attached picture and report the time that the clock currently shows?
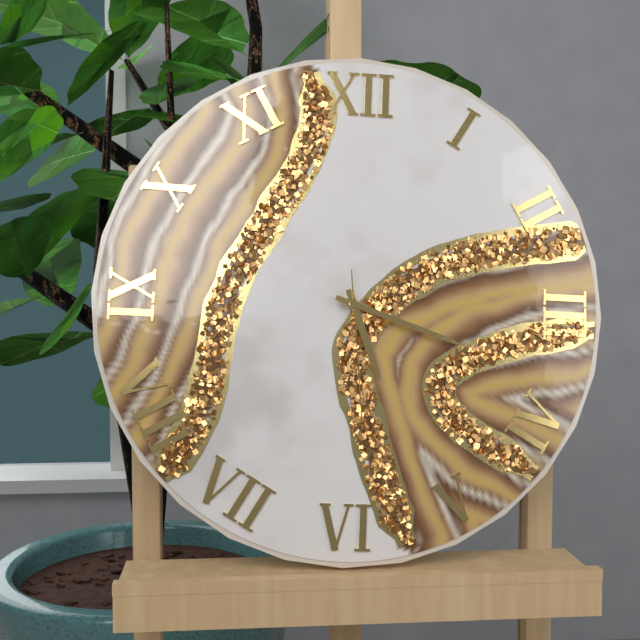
5:18:29
